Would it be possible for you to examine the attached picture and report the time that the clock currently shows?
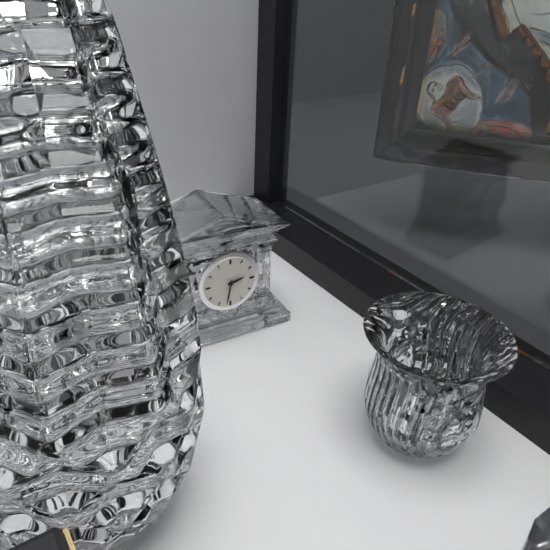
2:32
